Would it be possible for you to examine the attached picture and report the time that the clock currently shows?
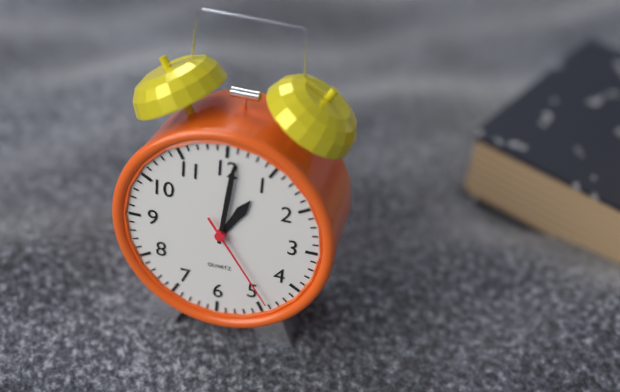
1:01:24
